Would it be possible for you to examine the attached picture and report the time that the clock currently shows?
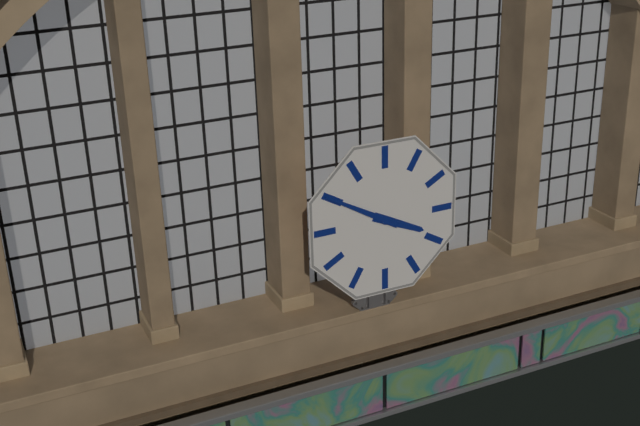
3:50
